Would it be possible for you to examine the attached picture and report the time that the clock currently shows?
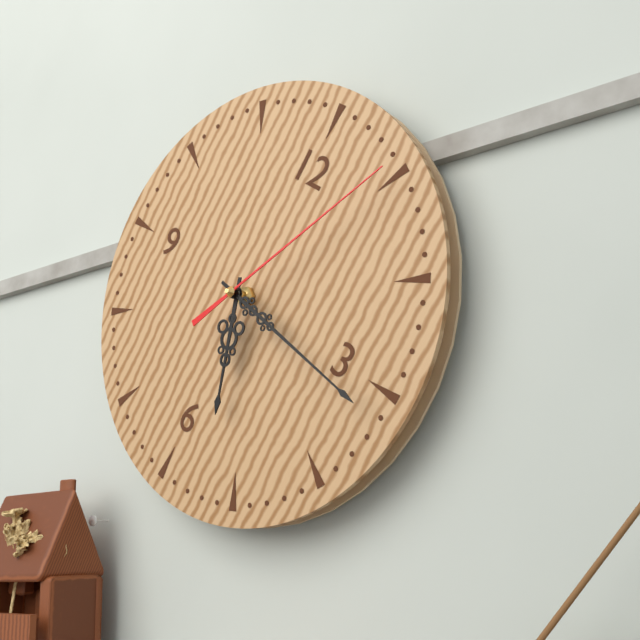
5:16:05
